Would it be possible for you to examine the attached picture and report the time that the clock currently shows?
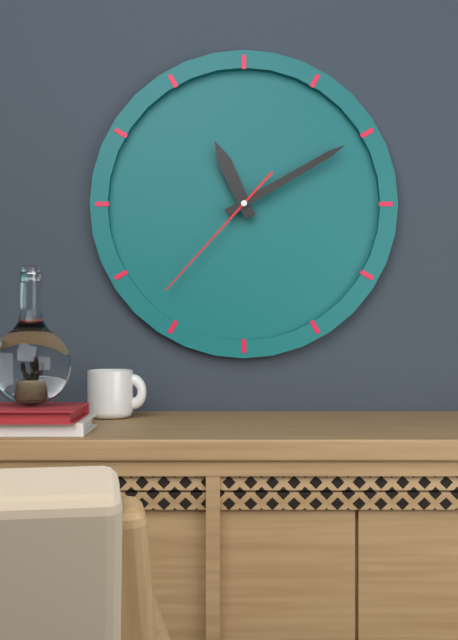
11:10:37
